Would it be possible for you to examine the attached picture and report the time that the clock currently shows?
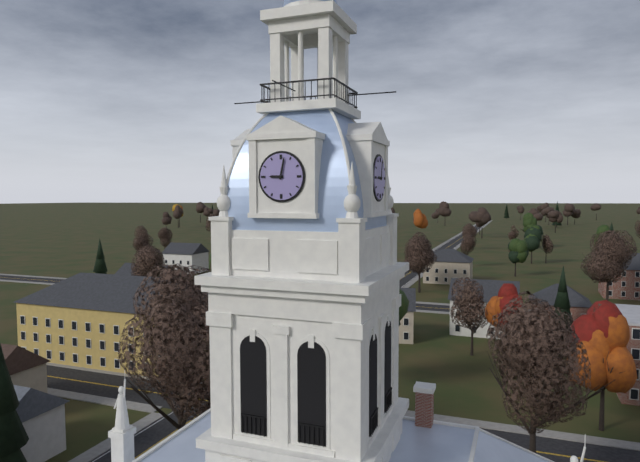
9:02
